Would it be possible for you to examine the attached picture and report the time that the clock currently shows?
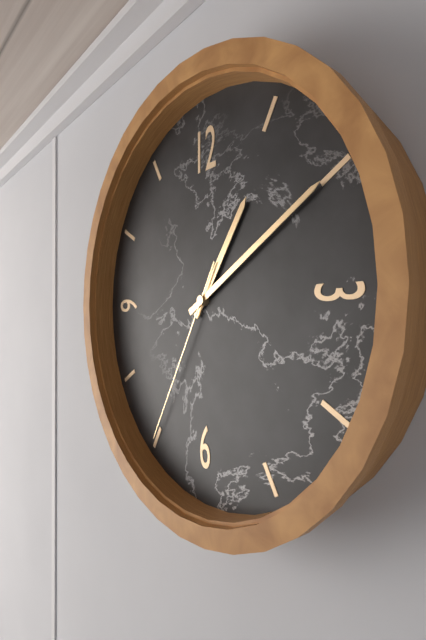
1:10:35
